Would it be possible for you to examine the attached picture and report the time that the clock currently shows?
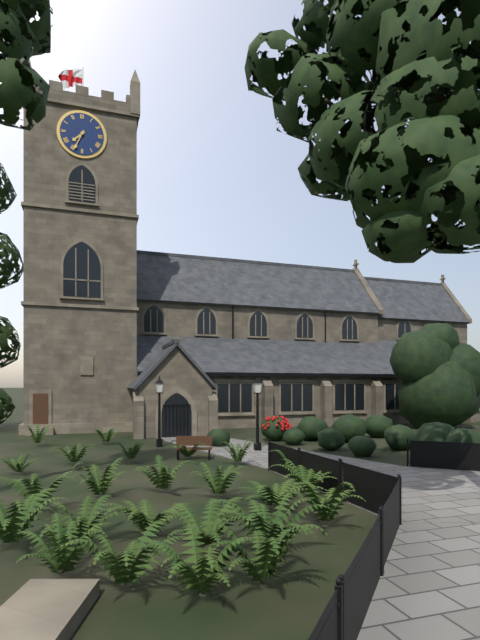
7:34
